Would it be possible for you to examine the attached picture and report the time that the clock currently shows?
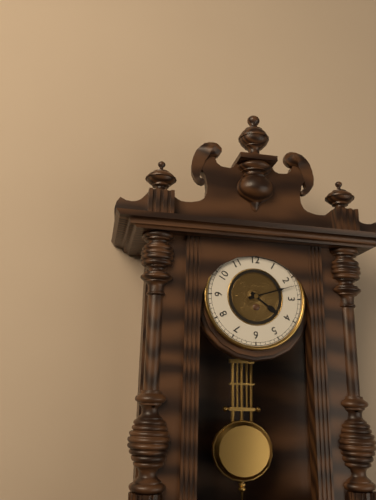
4:12
